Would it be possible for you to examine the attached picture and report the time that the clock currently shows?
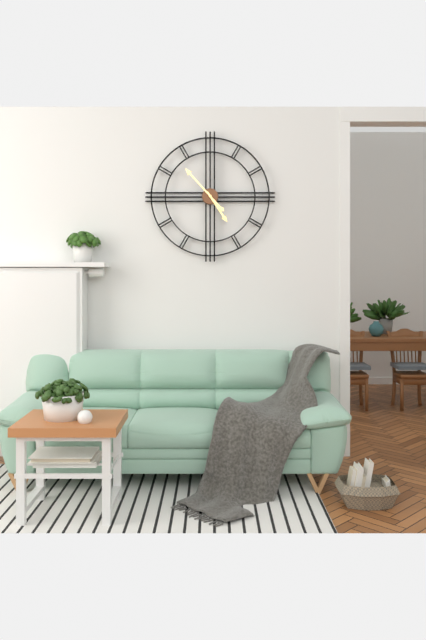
4:53
